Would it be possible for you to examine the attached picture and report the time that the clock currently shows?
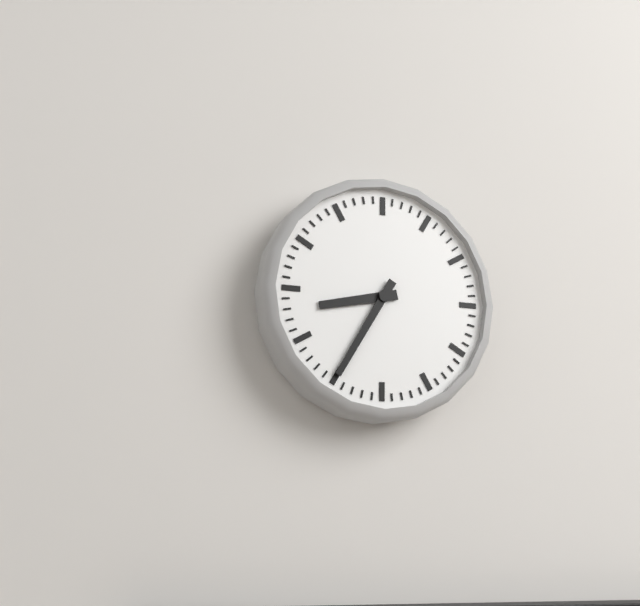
8:35
